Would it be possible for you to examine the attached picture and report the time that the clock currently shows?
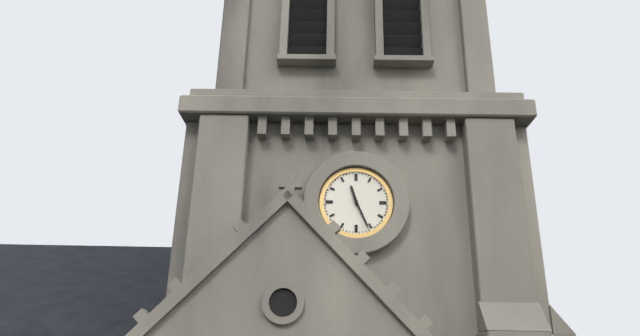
11:26
